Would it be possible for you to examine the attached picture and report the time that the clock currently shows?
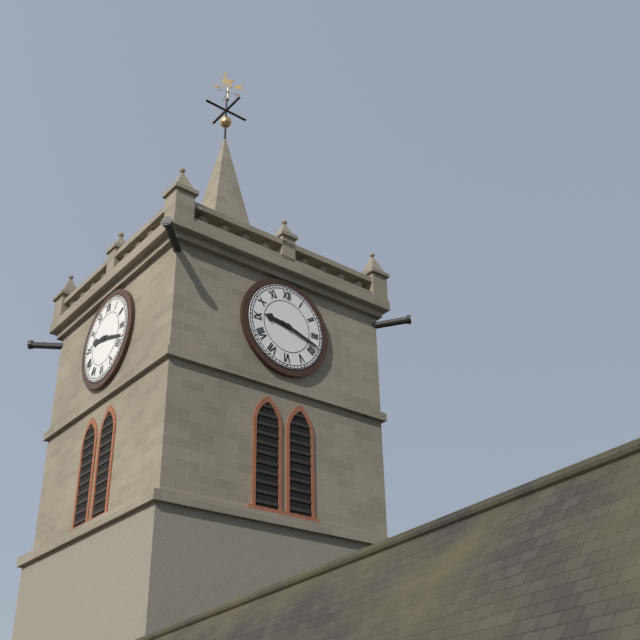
9:18
